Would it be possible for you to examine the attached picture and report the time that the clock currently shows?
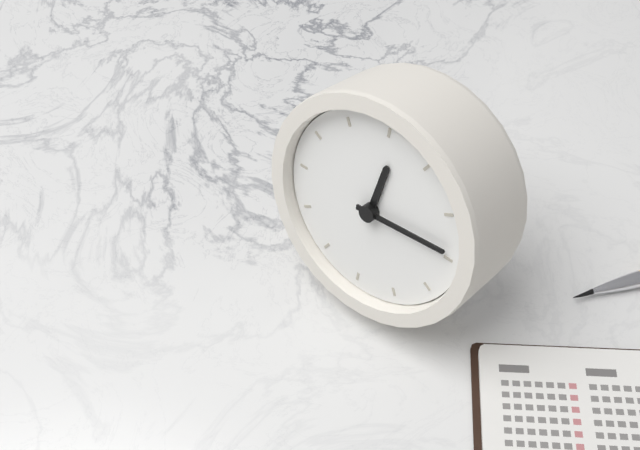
12:14
